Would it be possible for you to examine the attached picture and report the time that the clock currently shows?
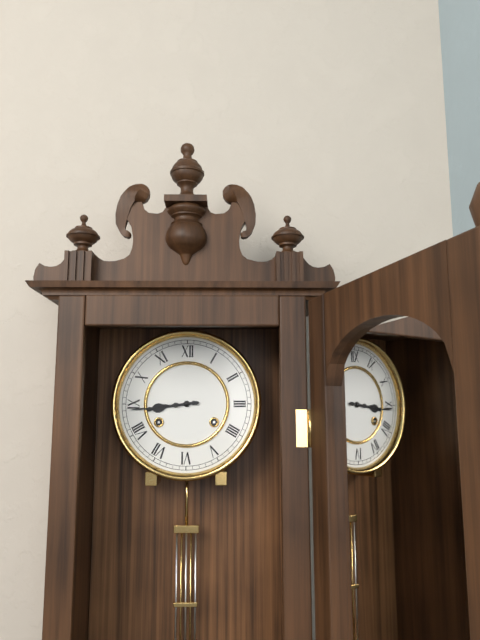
8:44
